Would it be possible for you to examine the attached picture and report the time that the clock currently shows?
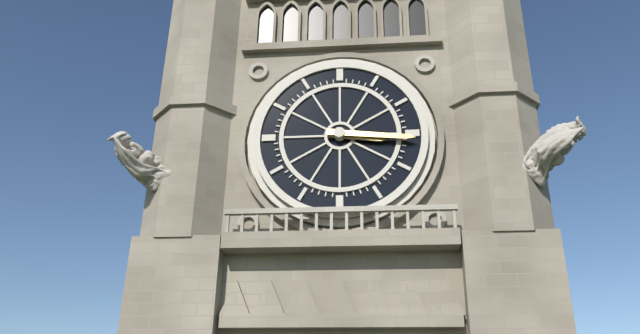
3:16
